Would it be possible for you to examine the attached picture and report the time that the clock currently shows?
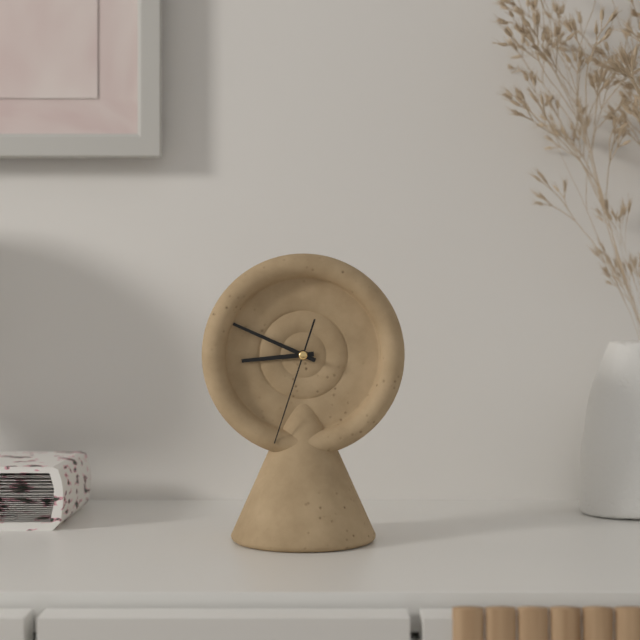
8:49:33
